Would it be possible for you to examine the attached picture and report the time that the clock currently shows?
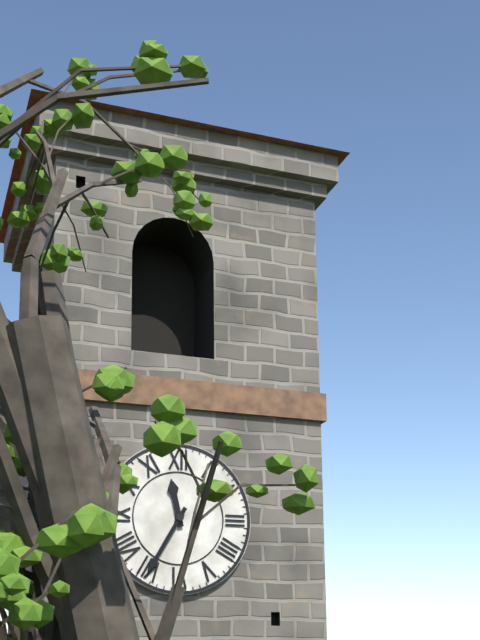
11:35
